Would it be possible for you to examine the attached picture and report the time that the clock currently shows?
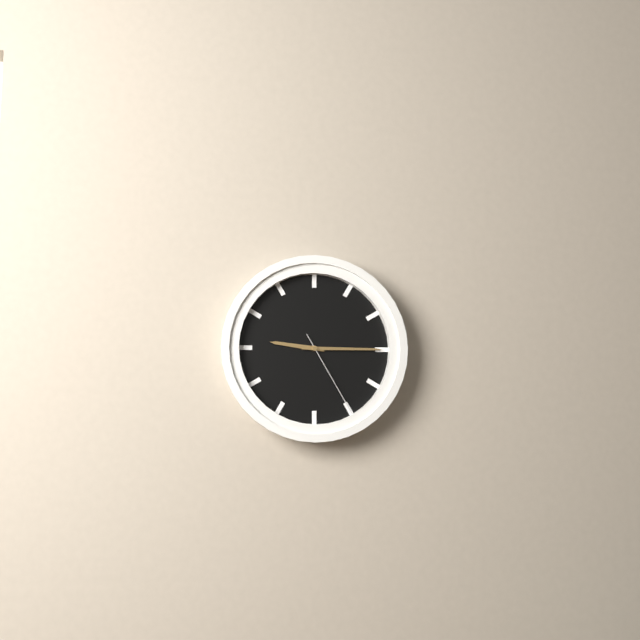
9:15:25
